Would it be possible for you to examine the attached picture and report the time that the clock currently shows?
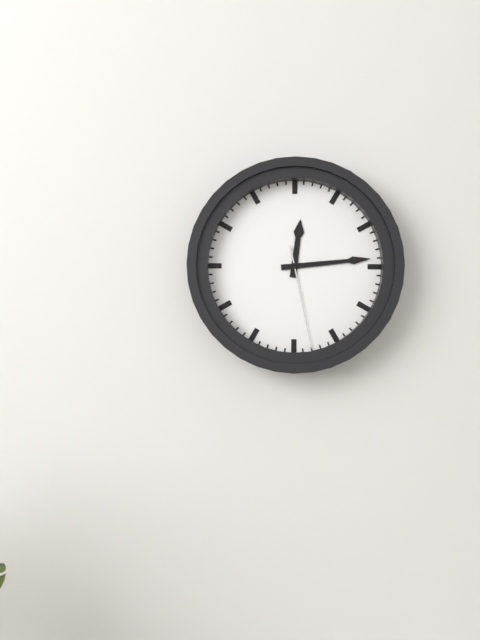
12:14:28
